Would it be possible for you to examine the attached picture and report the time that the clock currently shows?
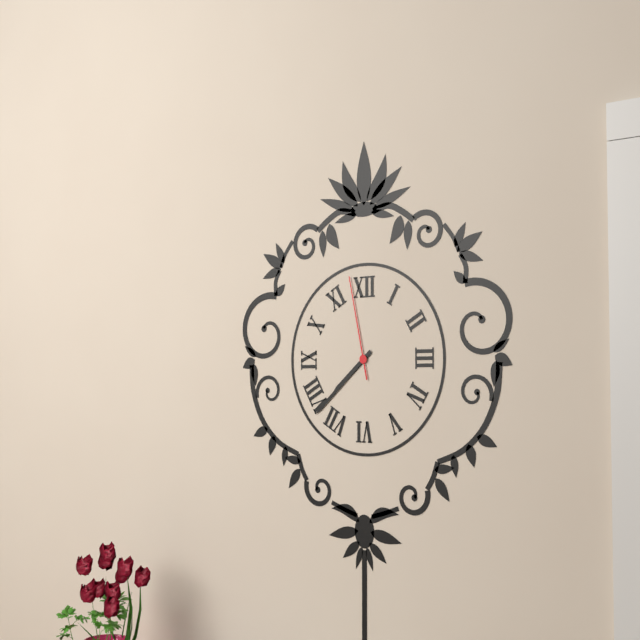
7:38:58
